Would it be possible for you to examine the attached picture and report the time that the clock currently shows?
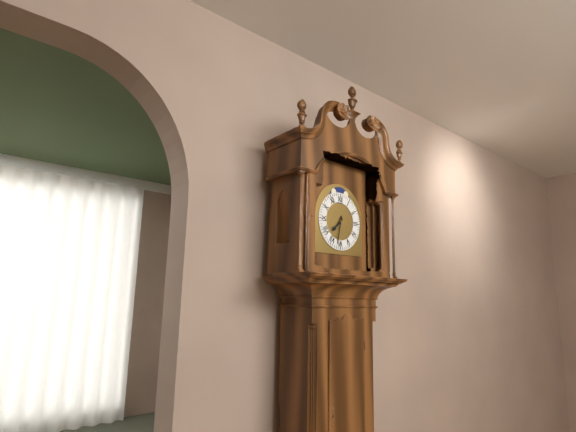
7:32
